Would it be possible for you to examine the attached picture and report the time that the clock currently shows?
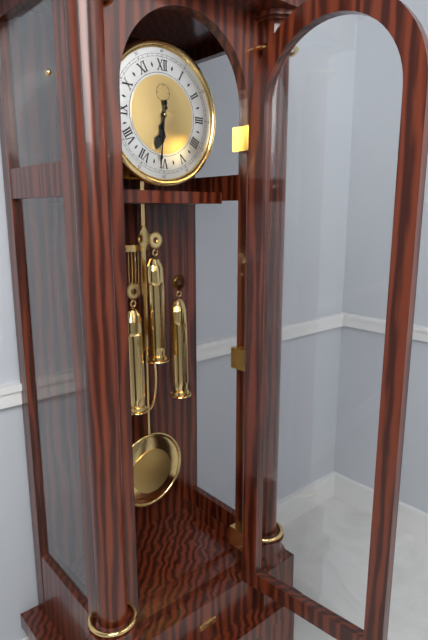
6:31
